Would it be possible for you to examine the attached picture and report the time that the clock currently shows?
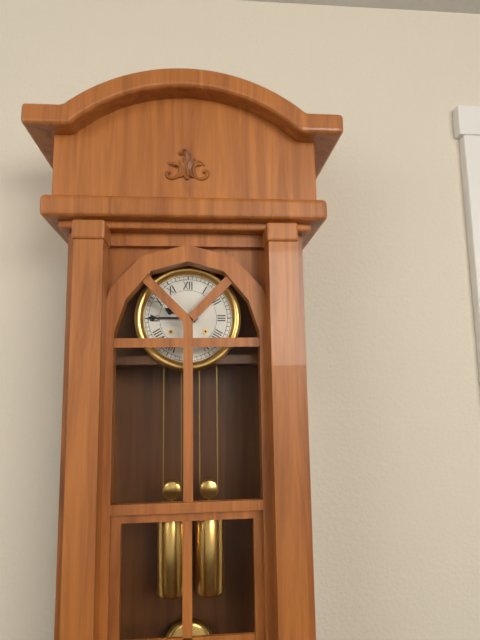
9:45
